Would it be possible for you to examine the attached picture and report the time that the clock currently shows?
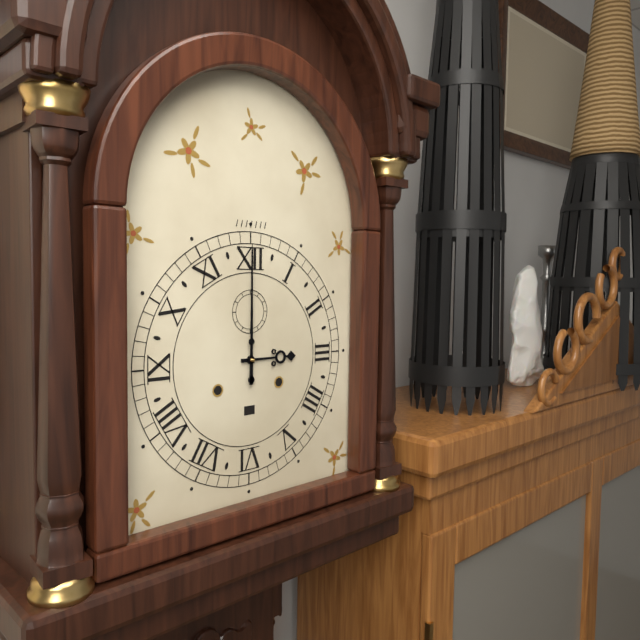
3:00
